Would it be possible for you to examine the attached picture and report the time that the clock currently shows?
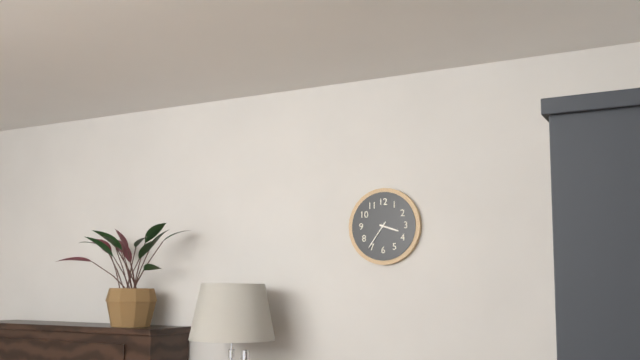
3:36
